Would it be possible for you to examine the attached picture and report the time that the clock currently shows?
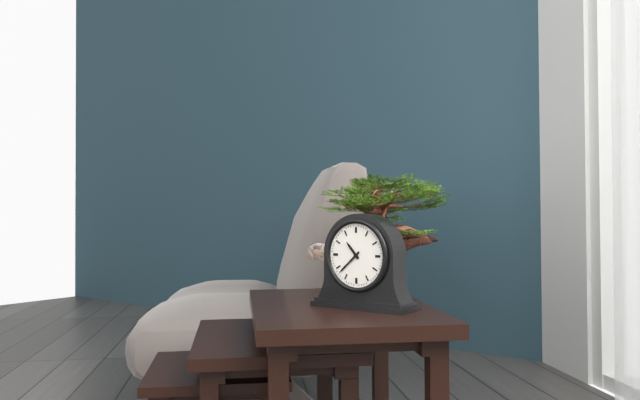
10:38
